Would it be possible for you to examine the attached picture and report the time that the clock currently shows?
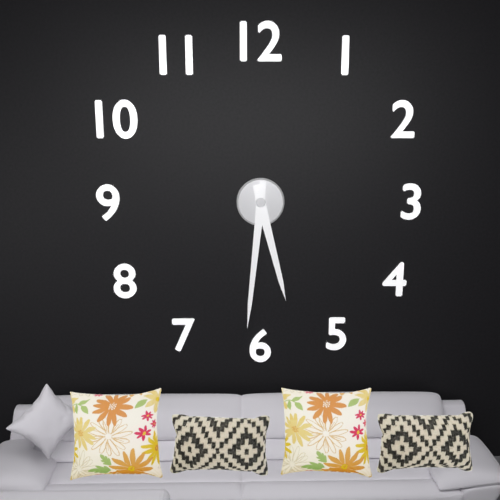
5:31
